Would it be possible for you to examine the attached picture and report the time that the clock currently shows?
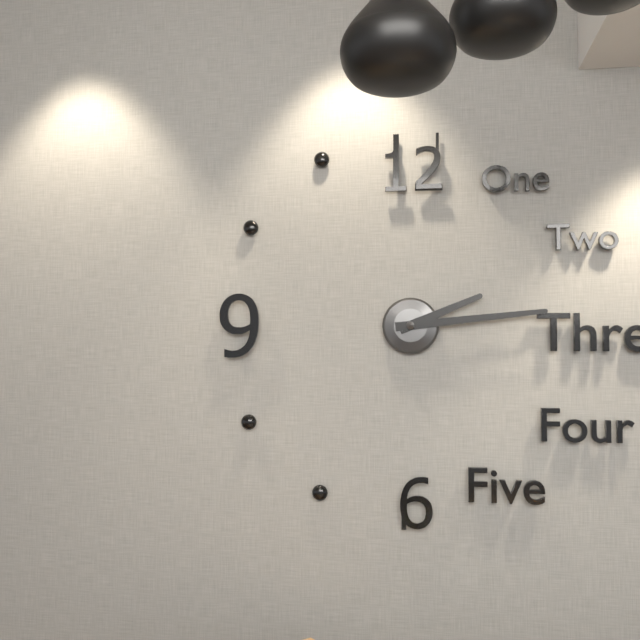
2:14
